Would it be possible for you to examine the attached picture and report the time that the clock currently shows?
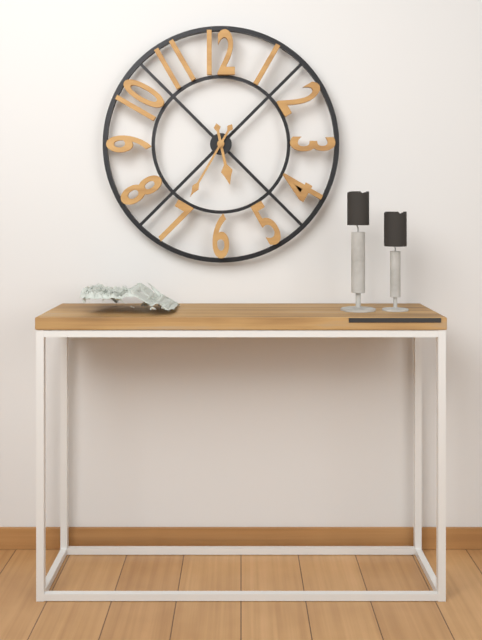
5:35
